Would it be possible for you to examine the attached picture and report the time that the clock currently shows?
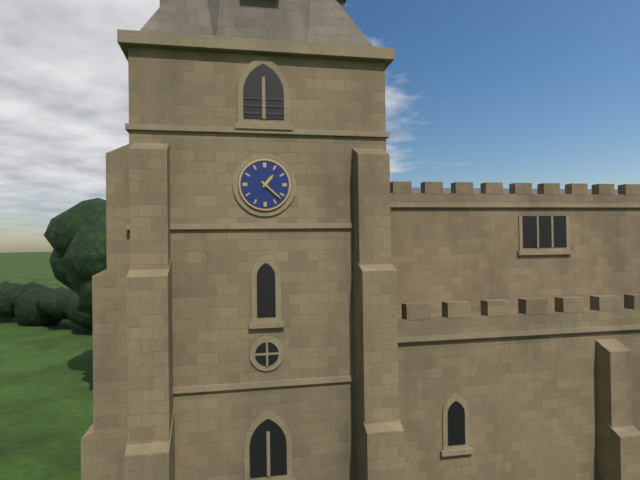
1:22
